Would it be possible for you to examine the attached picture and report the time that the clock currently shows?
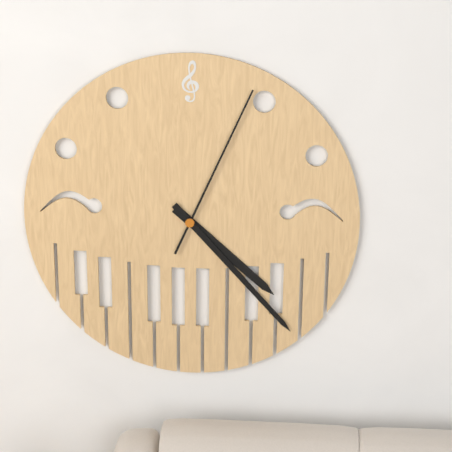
4:23:04
